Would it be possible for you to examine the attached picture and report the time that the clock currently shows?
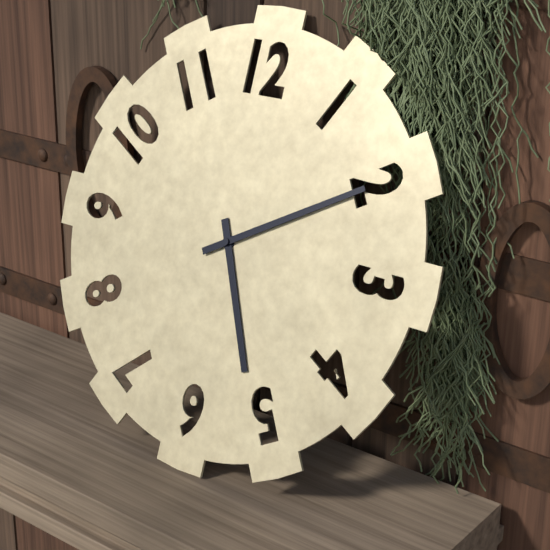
5:10
